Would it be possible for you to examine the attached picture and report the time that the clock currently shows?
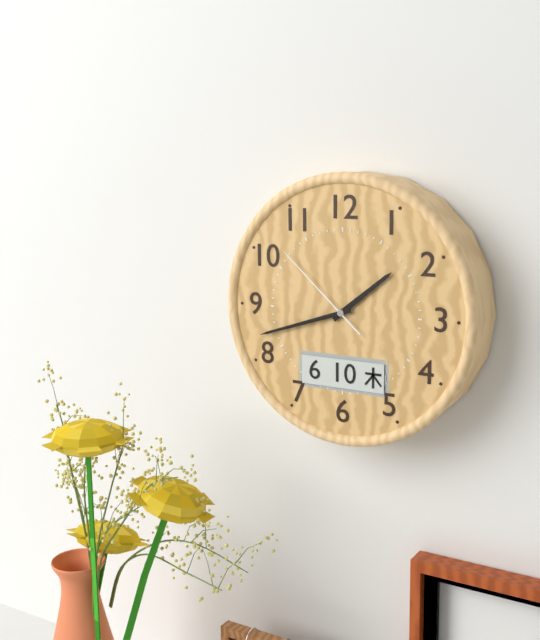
1:42:52
